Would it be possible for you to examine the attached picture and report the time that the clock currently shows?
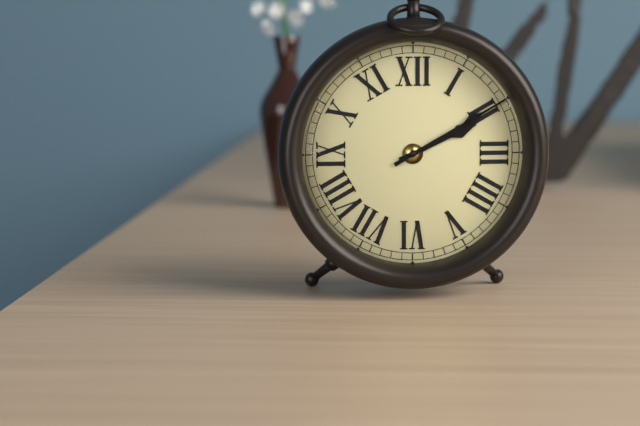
2:10
